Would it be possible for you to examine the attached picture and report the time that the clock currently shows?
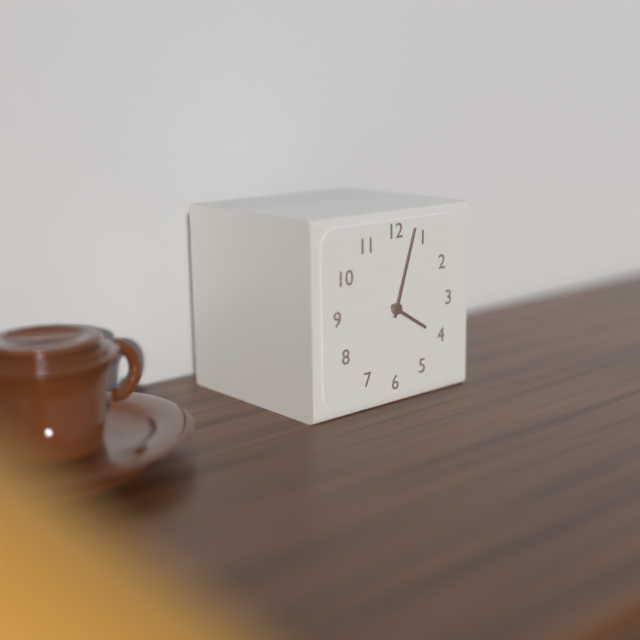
4:03
